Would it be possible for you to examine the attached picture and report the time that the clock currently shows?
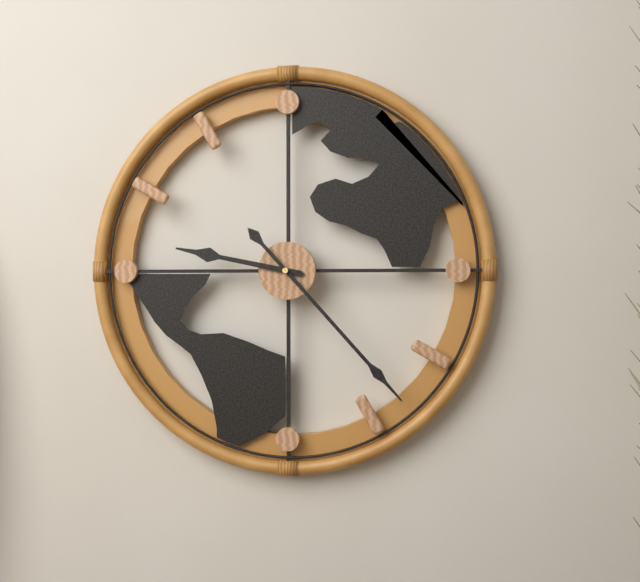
9:23
